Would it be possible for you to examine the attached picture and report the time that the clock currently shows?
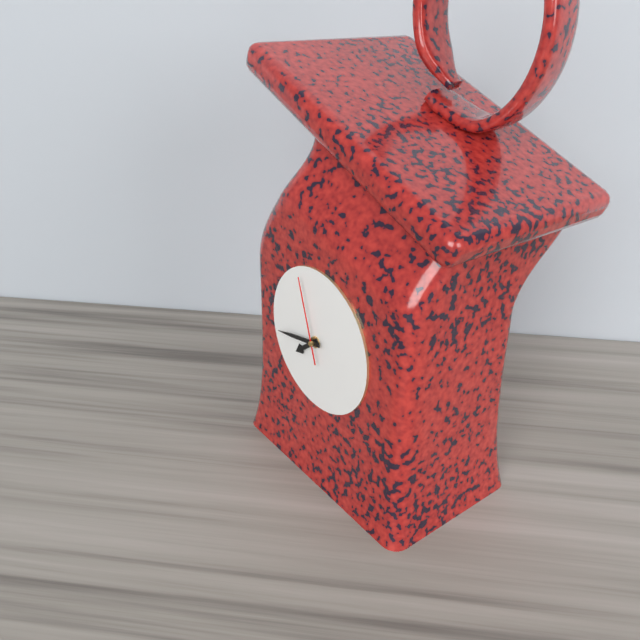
7:43:57
